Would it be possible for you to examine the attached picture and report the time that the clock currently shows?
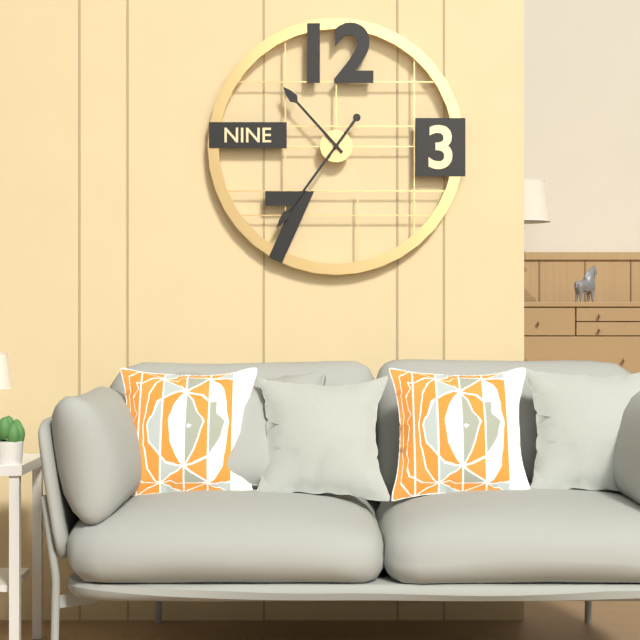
10:36
